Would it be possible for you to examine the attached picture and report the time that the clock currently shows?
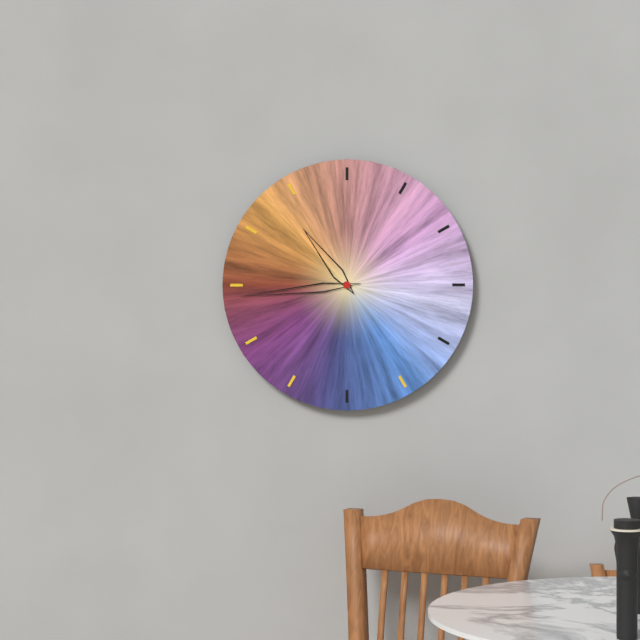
10:44
